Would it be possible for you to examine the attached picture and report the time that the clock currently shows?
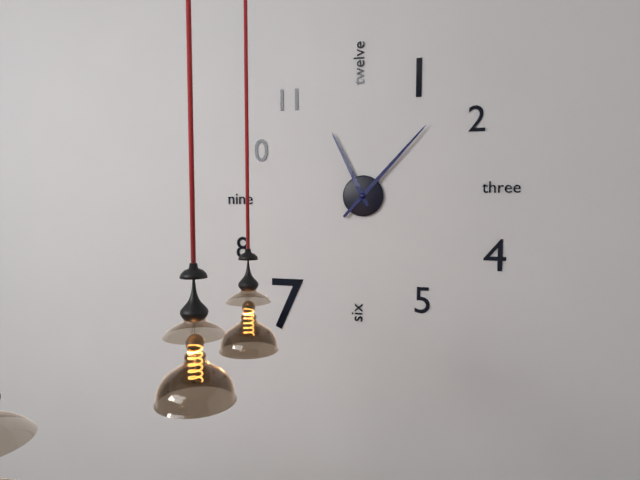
11:07
